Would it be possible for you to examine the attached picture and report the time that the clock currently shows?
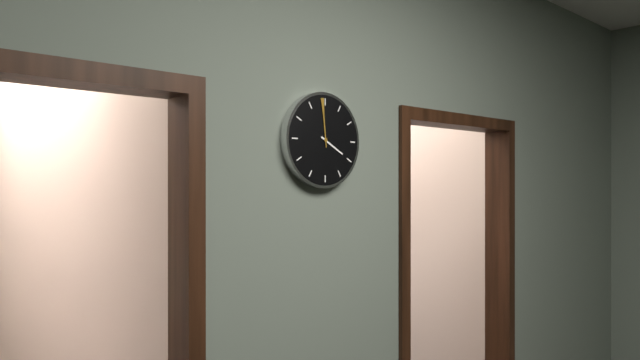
3:59
